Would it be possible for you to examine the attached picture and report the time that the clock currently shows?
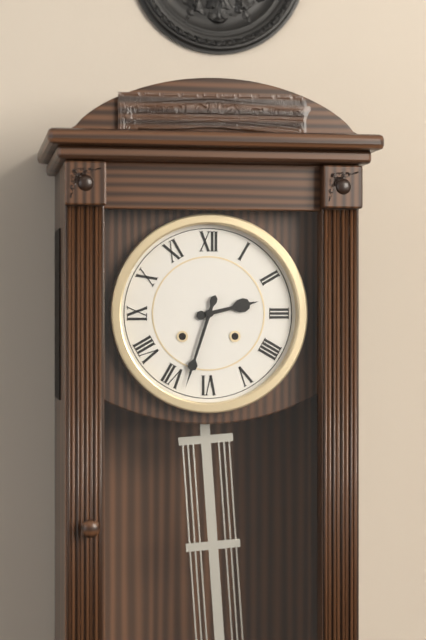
2:33
